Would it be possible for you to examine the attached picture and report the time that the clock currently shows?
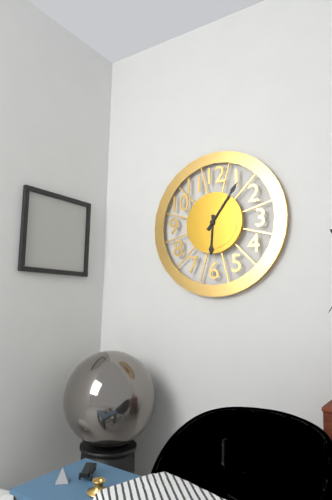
6:06
